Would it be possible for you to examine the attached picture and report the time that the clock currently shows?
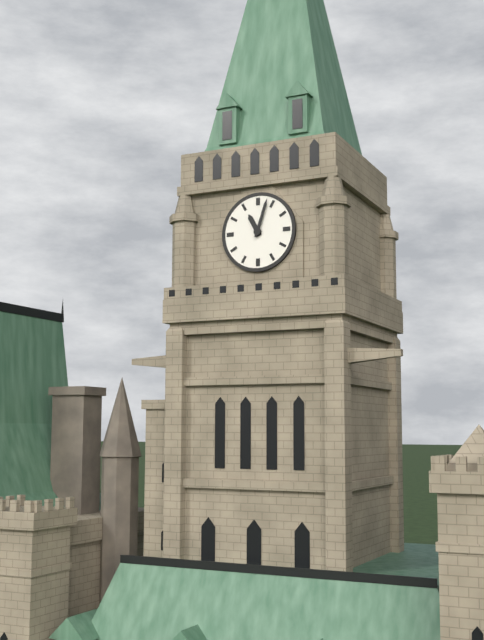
11:03
